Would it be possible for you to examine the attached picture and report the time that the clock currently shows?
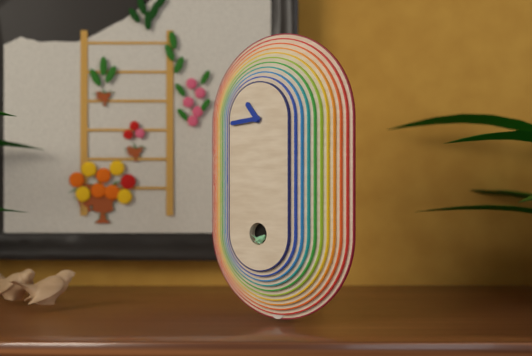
10:44
